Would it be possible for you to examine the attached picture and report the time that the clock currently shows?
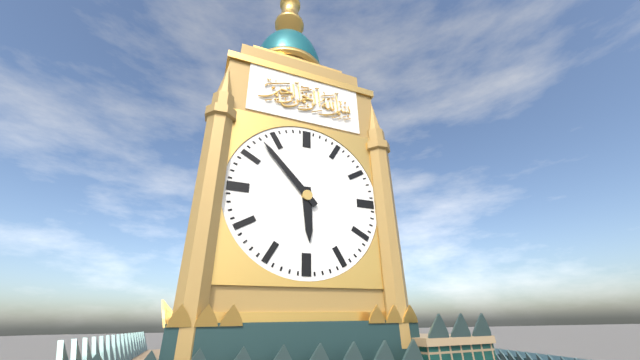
5:53
